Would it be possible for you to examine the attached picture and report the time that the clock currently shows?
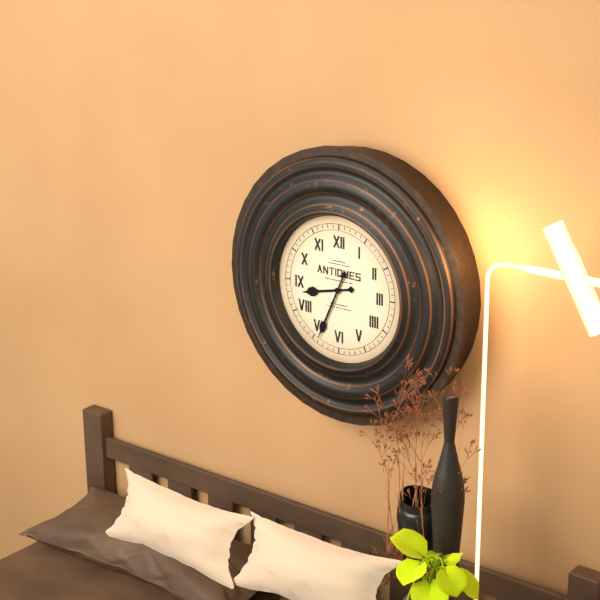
8:34
